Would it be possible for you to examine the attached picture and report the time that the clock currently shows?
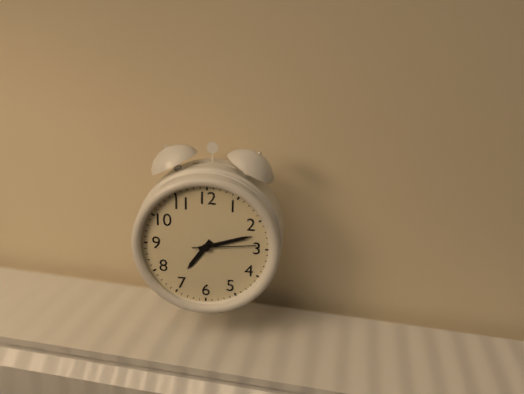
7:12:14
